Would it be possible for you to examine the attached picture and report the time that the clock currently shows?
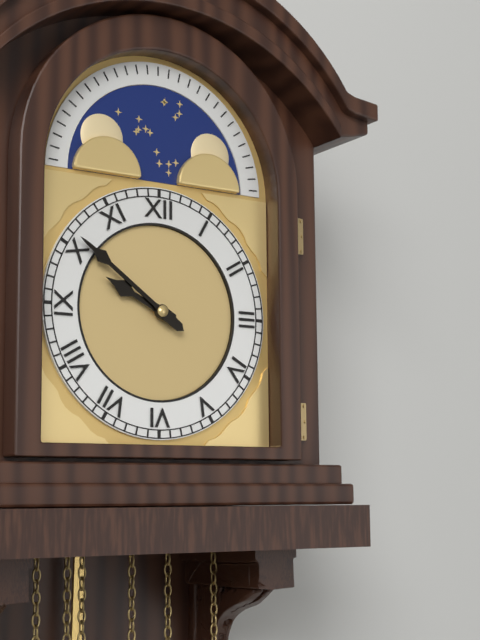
9:51
